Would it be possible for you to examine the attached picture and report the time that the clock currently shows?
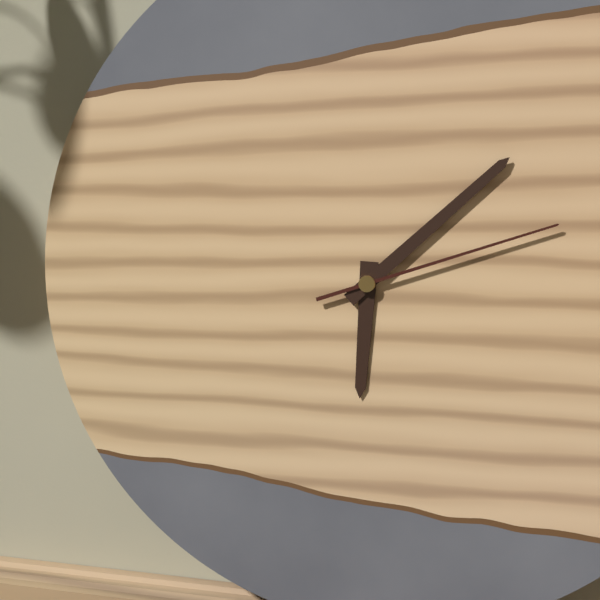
6:08:12
